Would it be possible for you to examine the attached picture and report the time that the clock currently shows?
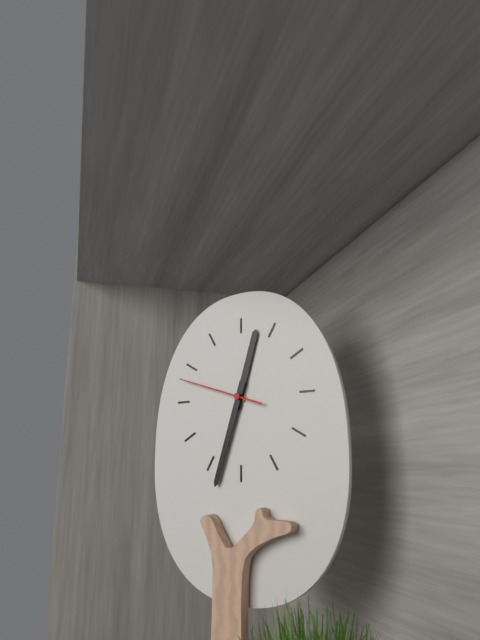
12:33:48
